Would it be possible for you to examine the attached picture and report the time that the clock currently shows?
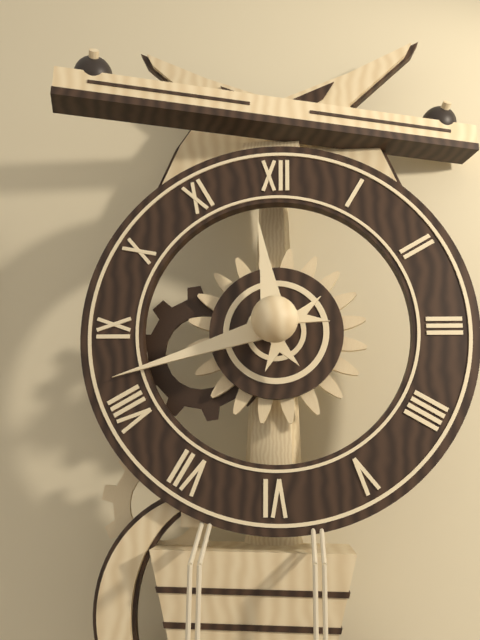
11:42
